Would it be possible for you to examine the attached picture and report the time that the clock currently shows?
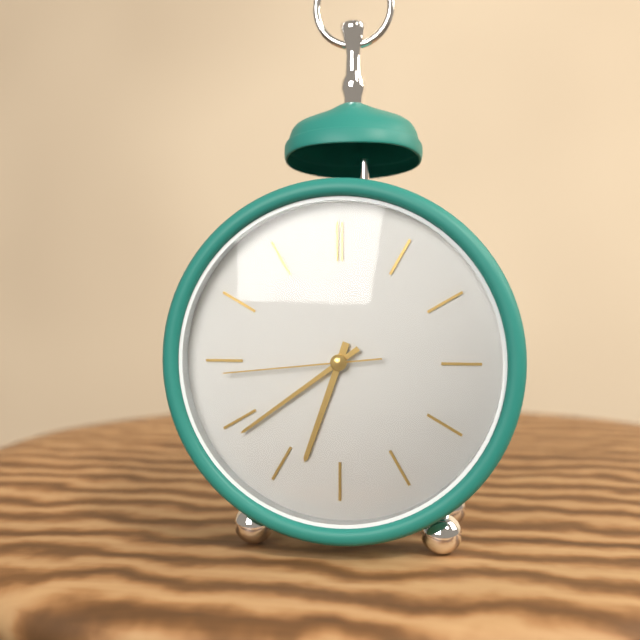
6:39:44
